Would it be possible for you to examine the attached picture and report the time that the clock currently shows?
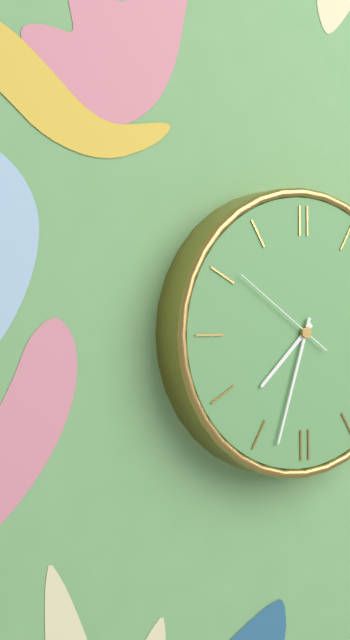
7:33:51
